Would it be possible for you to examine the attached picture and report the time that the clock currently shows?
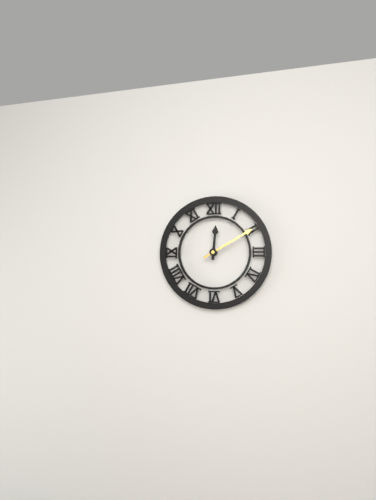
12:10
